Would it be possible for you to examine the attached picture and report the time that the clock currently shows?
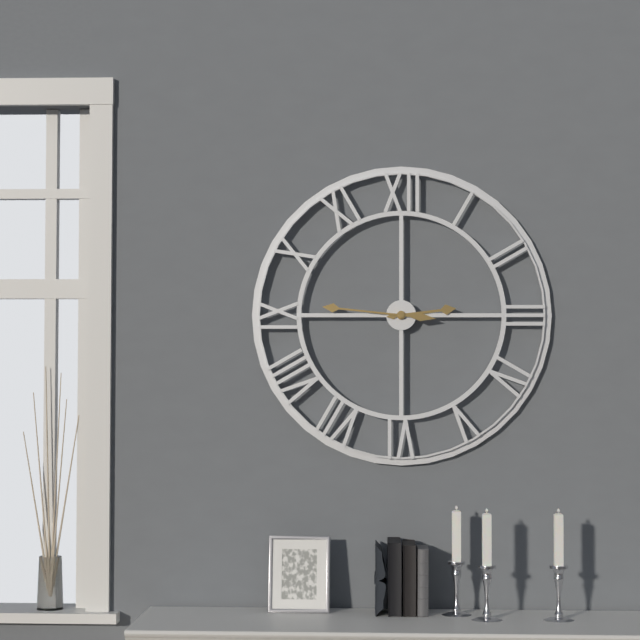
2:46
